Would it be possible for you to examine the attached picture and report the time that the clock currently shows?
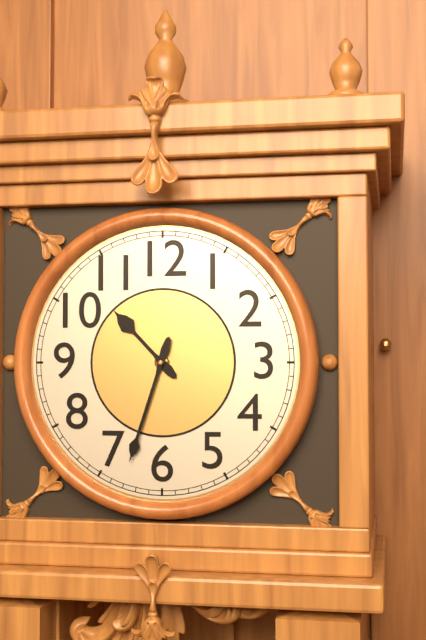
10:33
